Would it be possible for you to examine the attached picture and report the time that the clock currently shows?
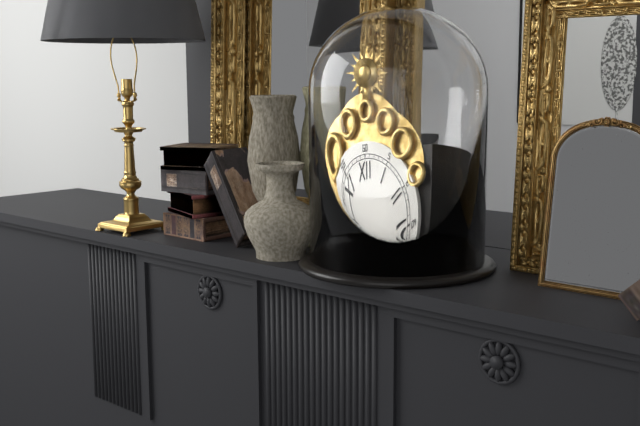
10:29
